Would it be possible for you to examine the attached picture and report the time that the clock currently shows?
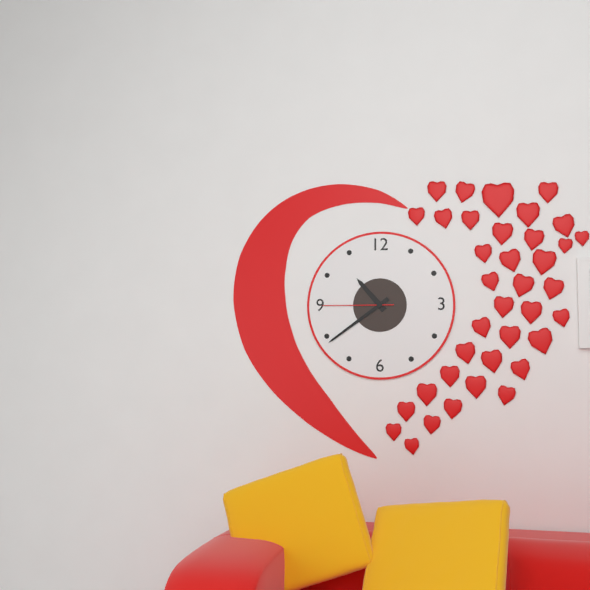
10:39:45
